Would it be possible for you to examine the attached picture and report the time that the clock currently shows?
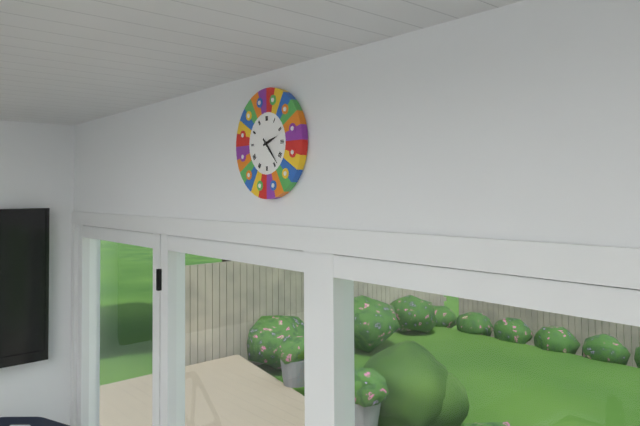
2:23
